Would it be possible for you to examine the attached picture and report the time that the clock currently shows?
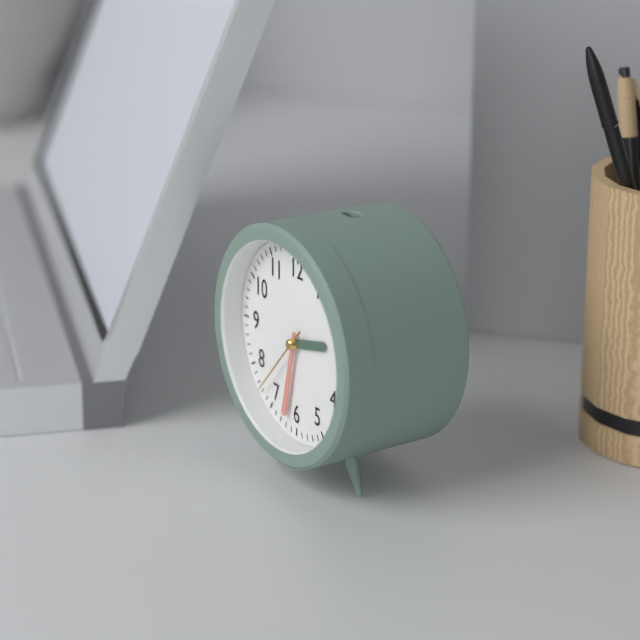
2:32:37
